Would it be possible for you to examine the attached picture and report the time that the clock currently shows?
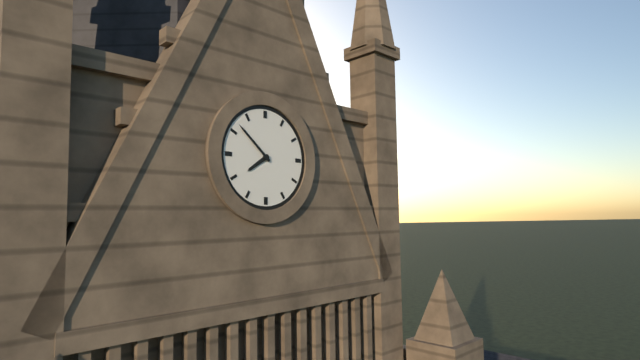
7:52
